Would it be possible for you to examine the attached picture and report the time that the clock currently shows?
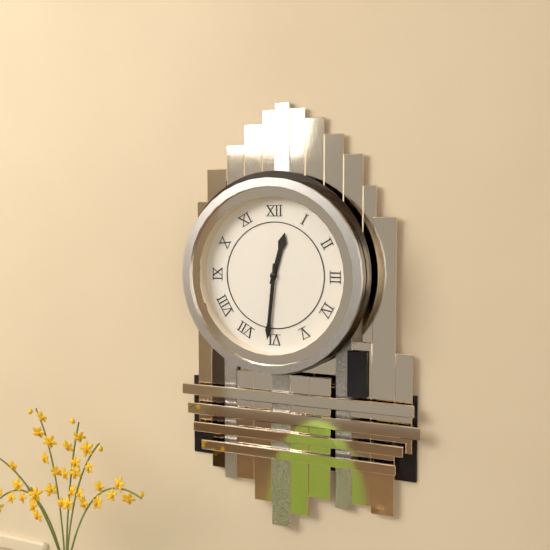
12:31
